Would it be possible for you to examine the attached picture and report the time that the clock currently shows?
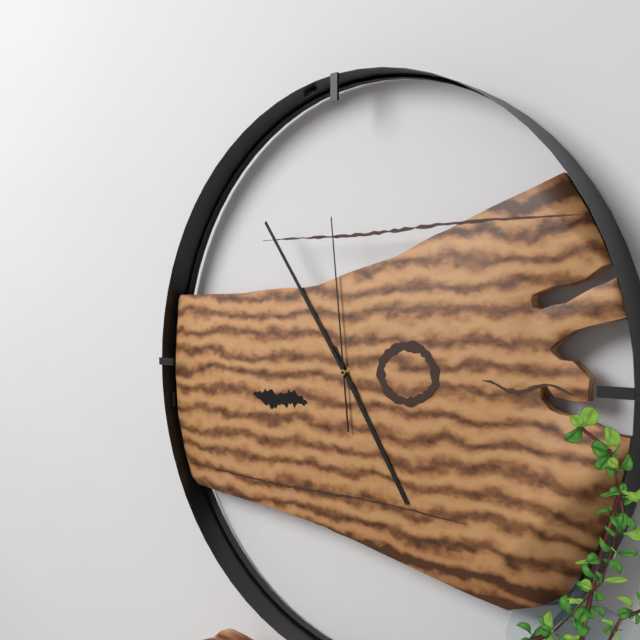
4:54:59
